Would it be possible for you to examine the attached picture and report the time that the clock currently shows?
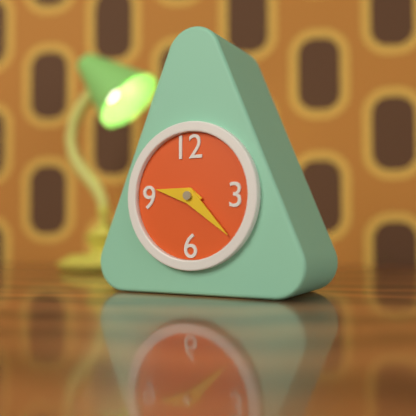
9:22
